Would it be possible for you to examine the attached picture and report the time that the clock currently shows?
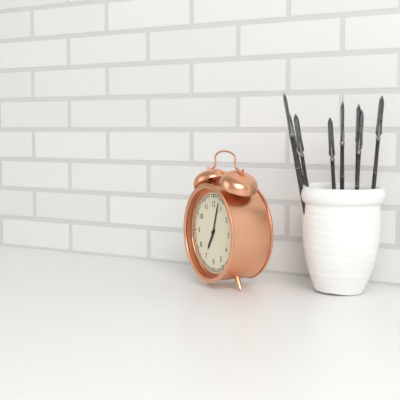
7:03
